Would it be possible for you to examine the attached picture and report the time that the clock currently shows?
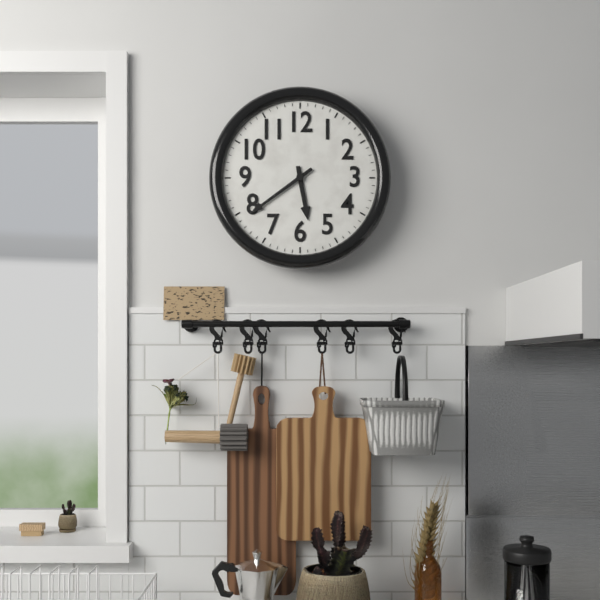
5:39
